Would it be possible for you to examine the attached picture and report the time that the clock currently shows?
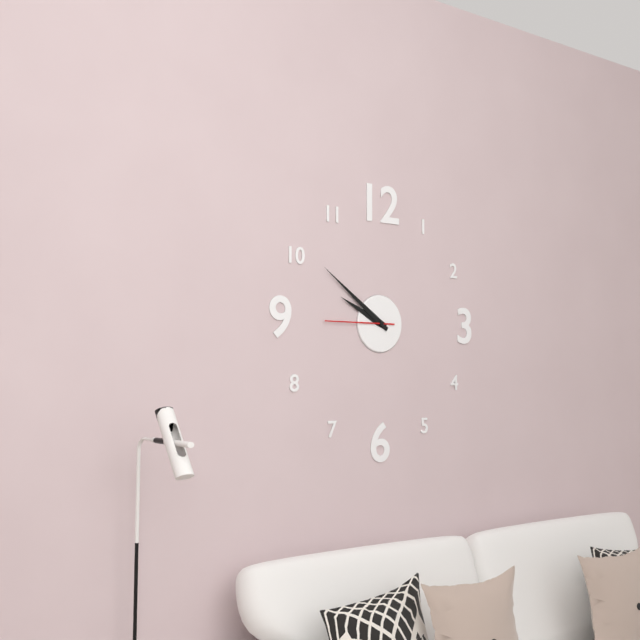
9:51:45
